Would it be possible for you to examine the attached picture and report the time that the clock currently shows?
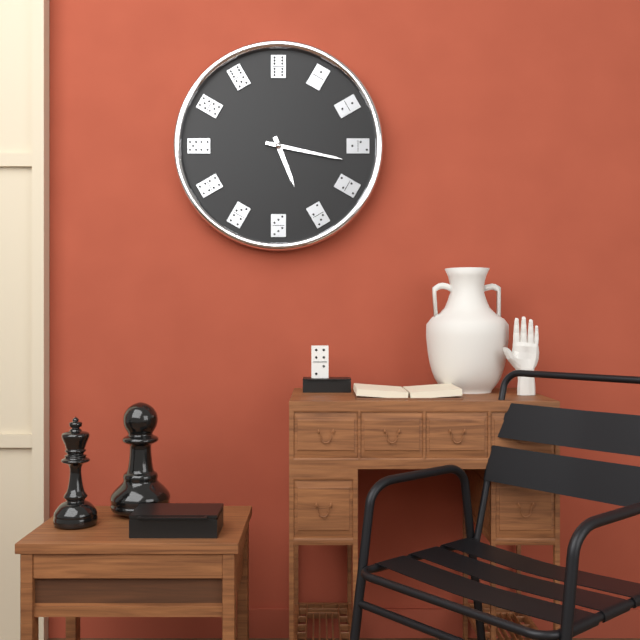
5:17
